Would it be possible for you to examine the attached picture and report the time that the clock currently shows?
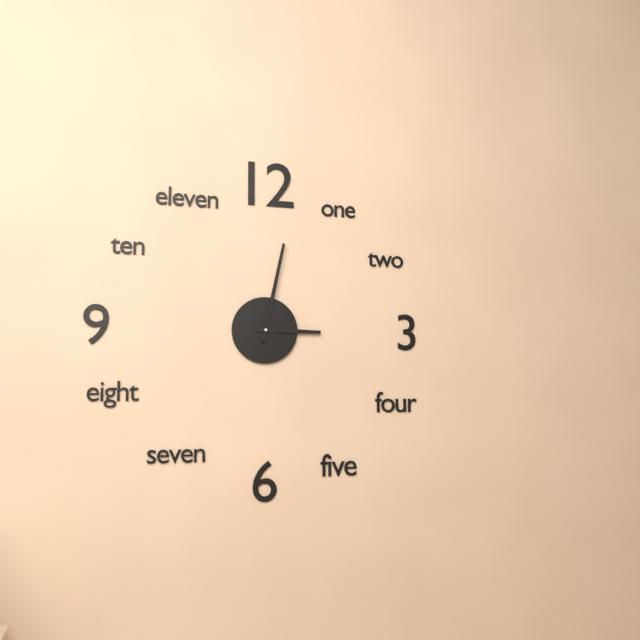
3:02
